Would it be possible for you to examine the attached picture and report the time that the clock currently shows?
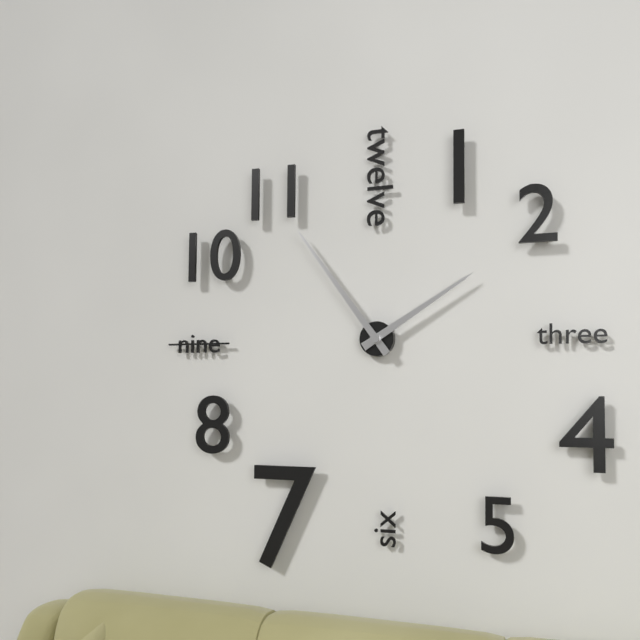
1:54
